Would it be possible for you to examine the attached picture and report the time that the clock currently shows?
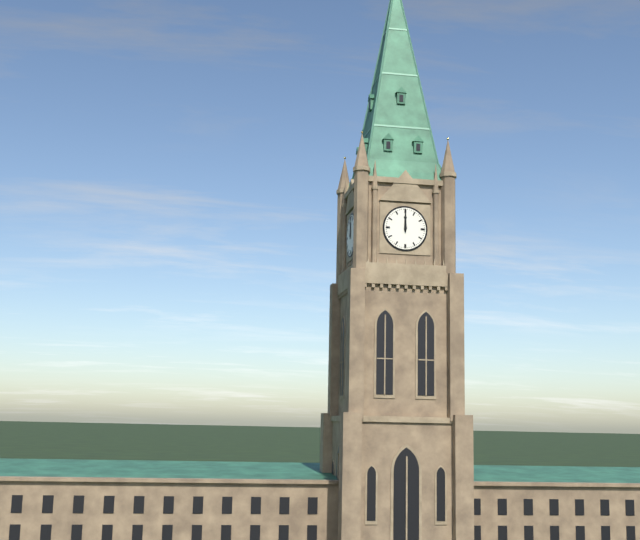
12:00
